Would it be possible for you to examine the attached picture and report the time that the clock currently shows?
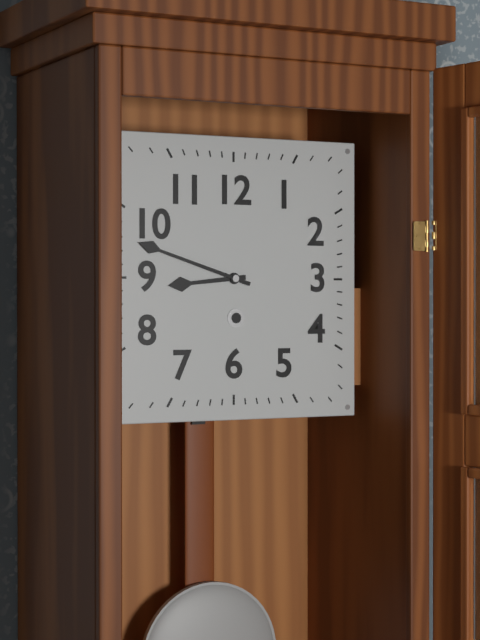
8:48
